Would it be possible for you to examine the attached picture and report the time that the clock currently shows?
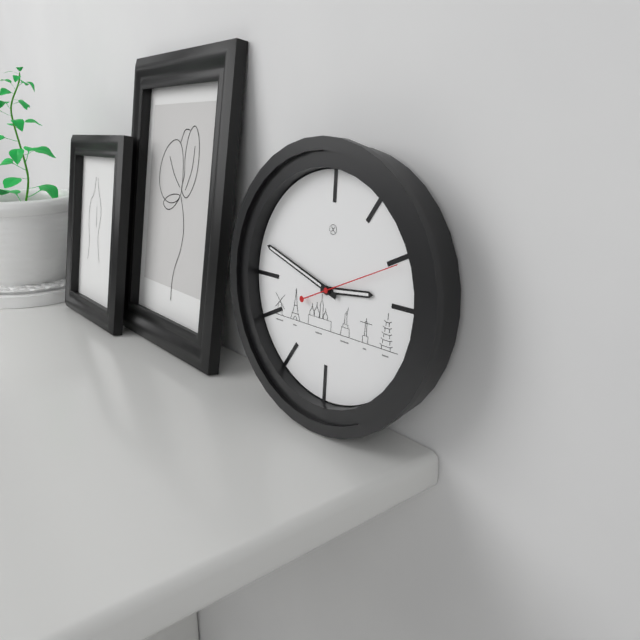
2:48:11
